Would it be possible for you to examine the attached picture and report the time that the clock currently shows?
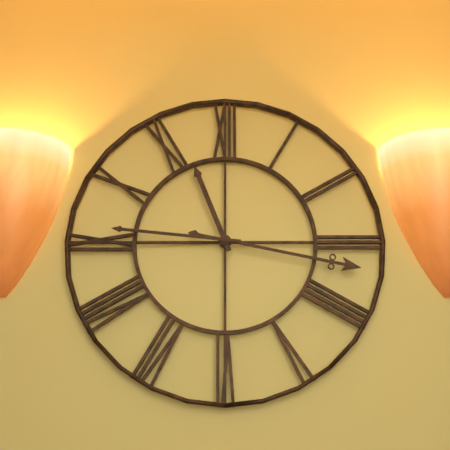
11:17:46
